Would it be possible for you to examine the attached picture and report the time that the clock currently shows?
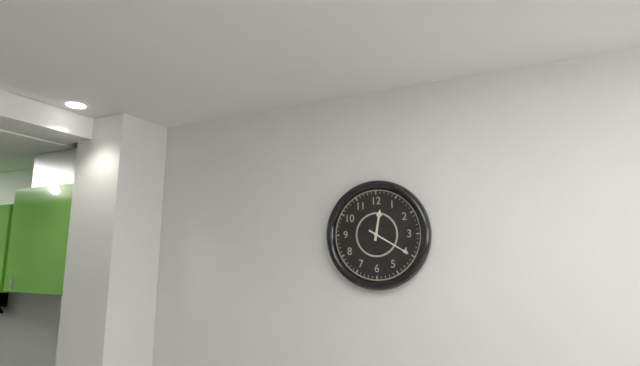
12:20
